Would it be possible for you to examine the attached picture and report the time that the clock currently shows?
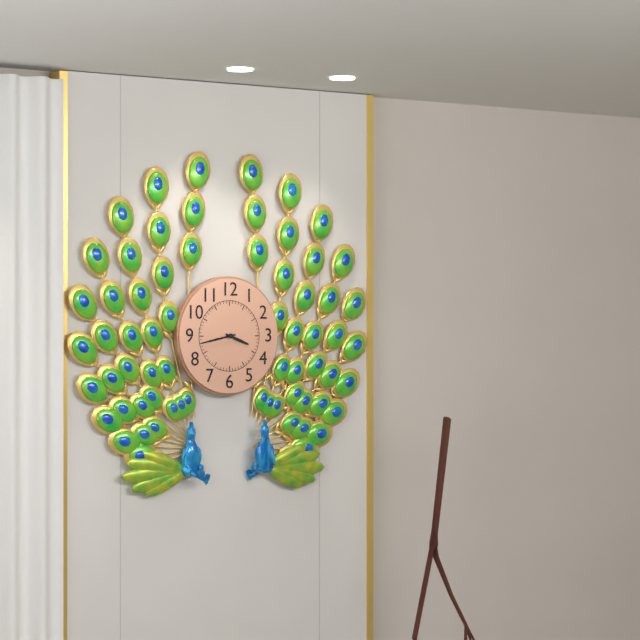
3:43
